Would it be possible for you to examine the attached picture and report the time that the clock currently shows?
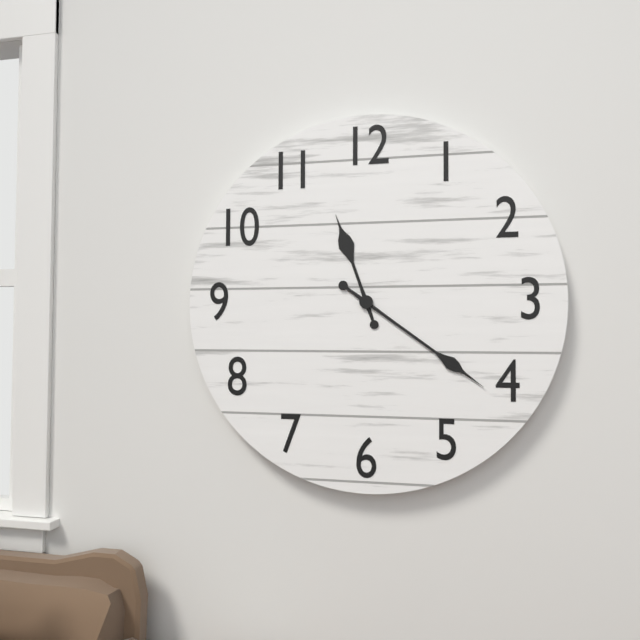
11:21
